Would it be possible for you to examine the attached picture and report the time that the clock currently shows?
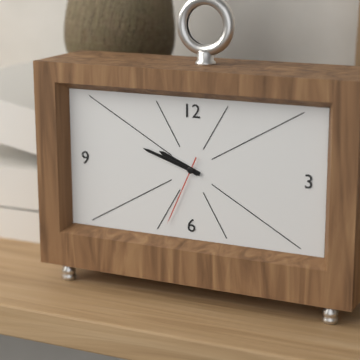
9:48:34
